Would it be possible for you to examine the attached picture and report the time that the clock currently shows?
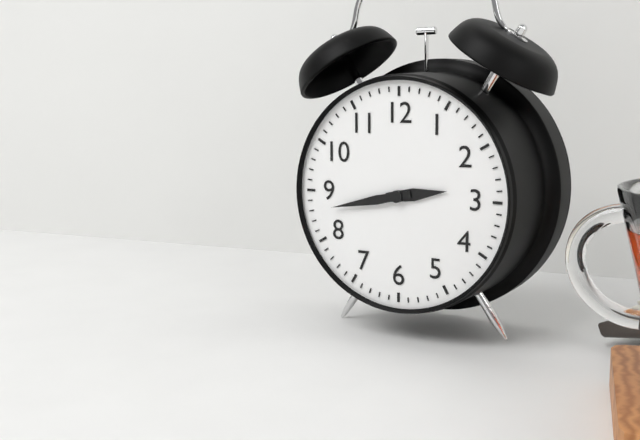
2:43
